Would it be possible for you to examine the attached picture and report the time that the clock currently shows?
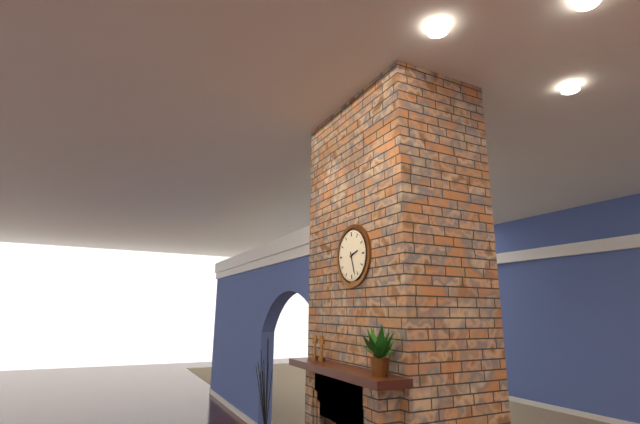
2:27
